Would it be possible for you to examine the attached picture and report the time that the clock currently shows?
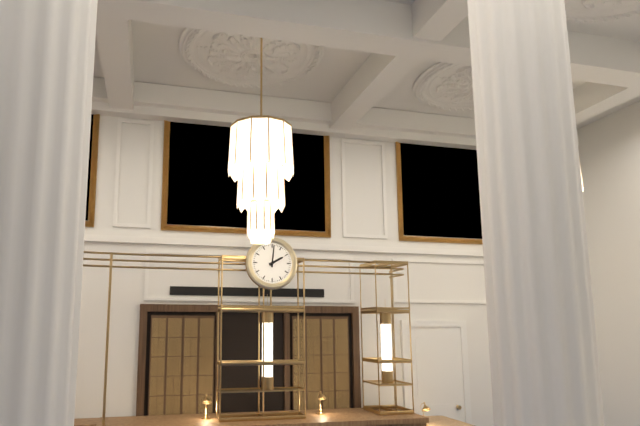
2:01
